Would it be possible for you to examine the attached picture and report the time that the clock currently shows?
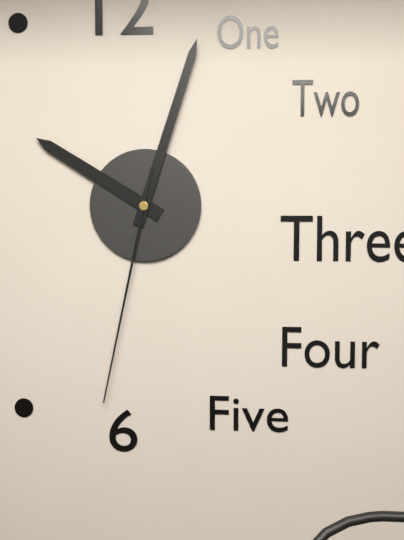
10:03:32
